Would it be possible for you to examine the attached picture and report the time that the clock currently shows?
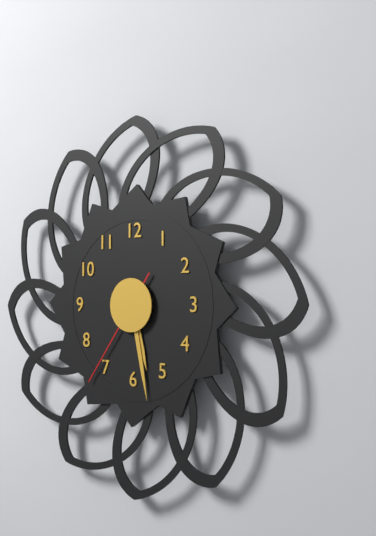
5:28:36
